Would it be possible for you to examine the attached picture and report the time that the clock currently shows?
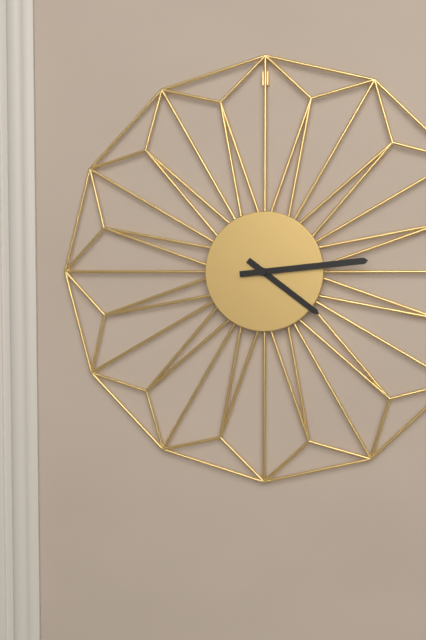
4:14
